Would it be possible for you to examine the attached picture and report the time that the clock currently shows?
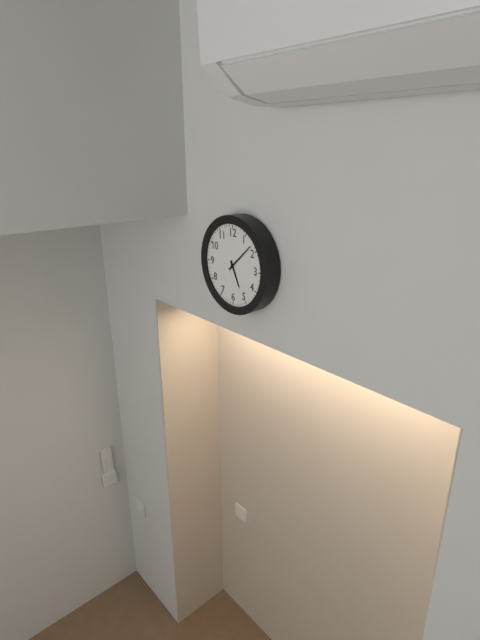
5:08
